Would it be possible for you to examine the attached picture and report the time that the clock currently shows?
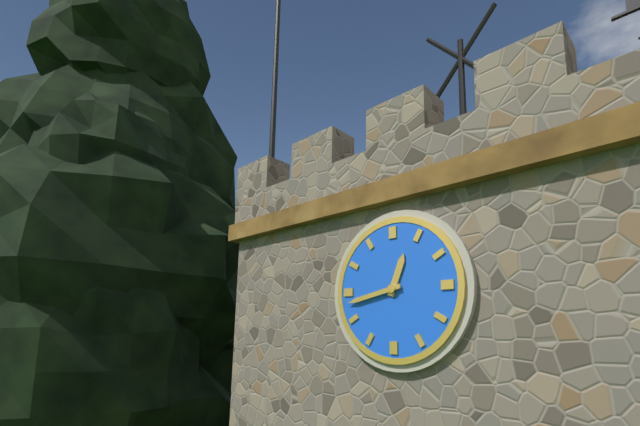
12:43
